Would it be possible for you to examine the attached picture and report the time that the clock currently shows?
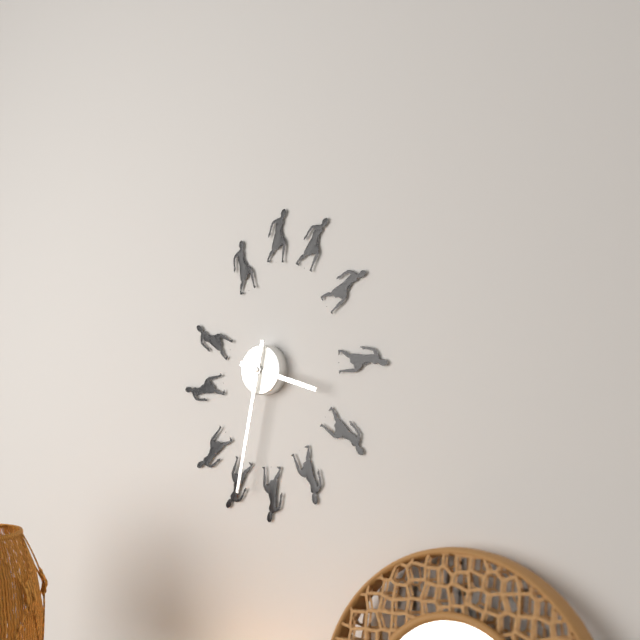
3:32
